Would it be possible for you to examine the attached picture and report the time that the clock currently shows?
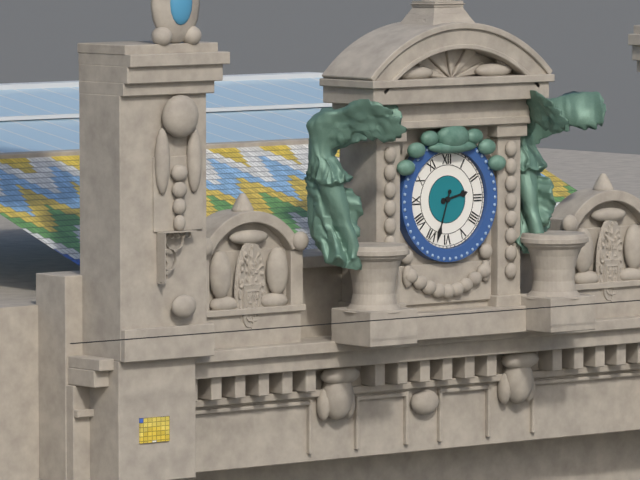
2:33
